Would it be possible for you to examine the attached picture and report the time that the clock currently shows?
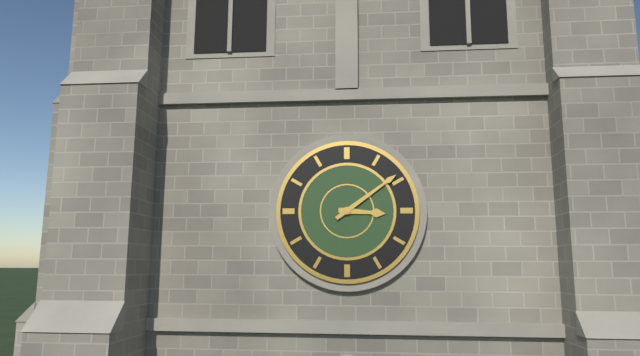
3:09
